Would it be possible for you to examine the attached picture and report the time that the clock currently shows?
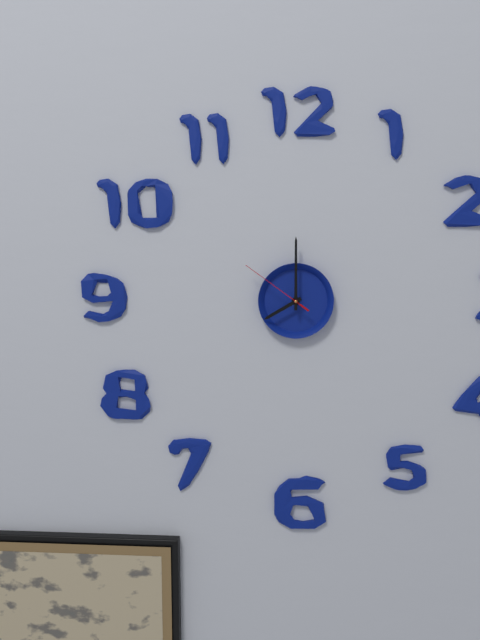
8:00:51
